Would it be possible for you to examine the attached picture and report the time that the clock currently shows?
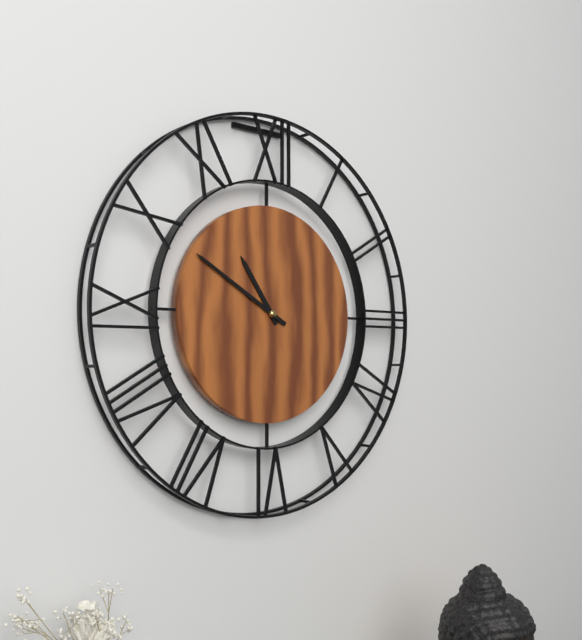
10:50
